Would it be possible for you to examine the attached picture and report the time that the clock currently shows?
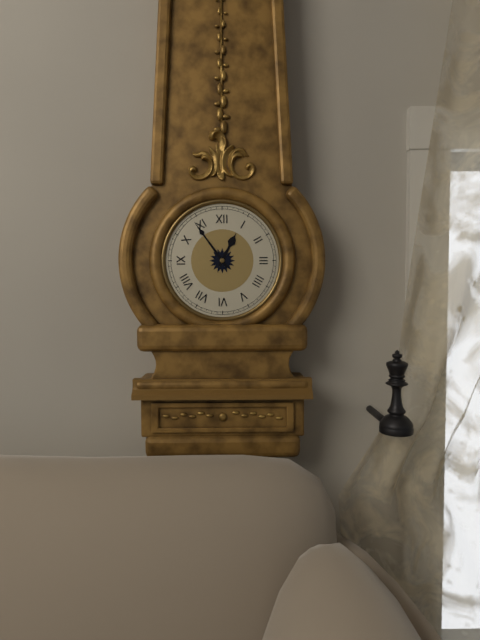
12:54
